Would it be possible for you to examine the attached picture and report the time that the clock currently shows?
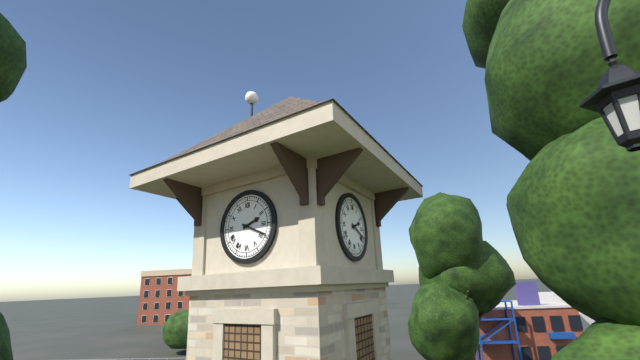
2:19
